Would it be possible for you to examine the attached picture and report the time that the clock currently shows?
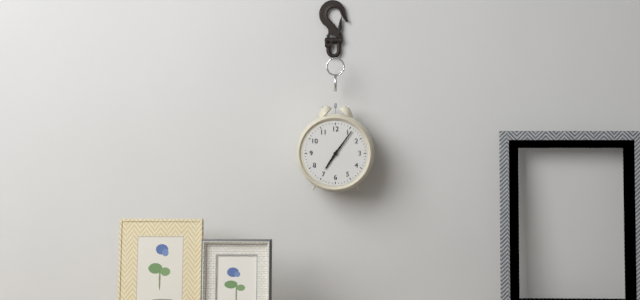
7:06
